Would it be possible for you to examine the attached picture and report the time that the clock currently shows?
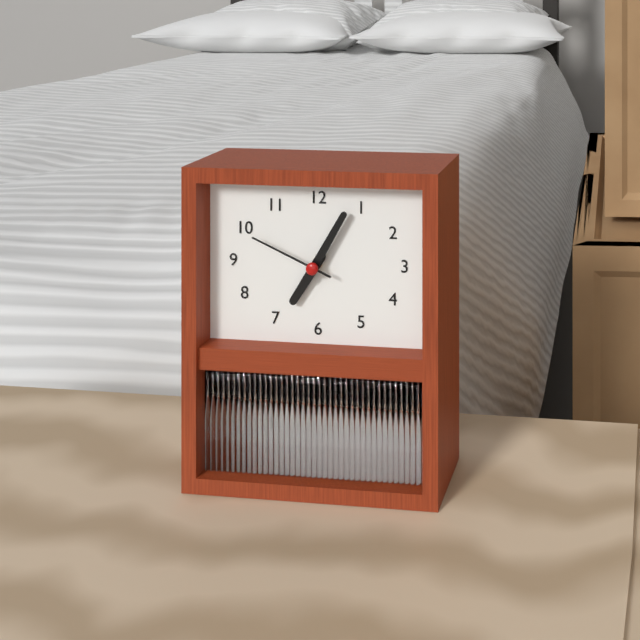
7:05:49
